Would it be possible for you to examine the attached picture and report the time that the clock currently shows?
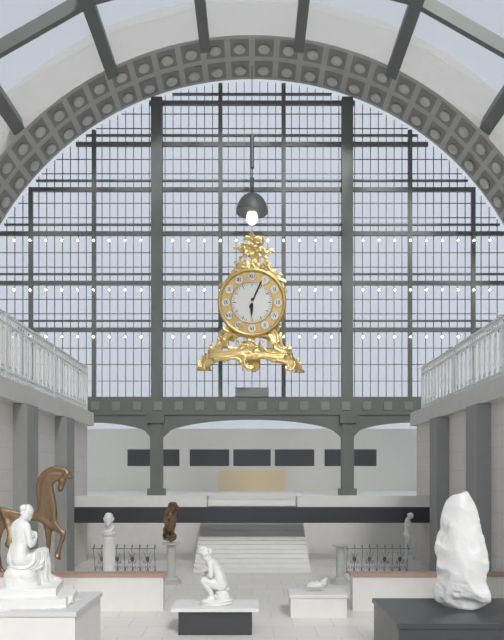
6:04
